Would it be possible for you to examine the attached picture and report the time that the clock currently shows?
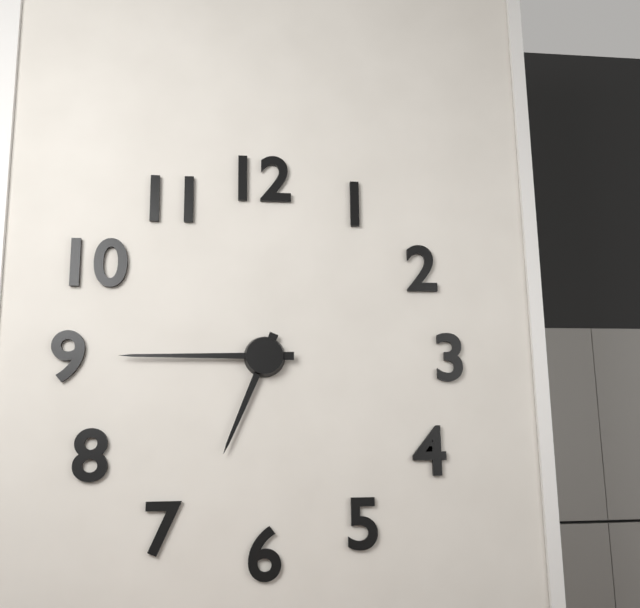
6:45
